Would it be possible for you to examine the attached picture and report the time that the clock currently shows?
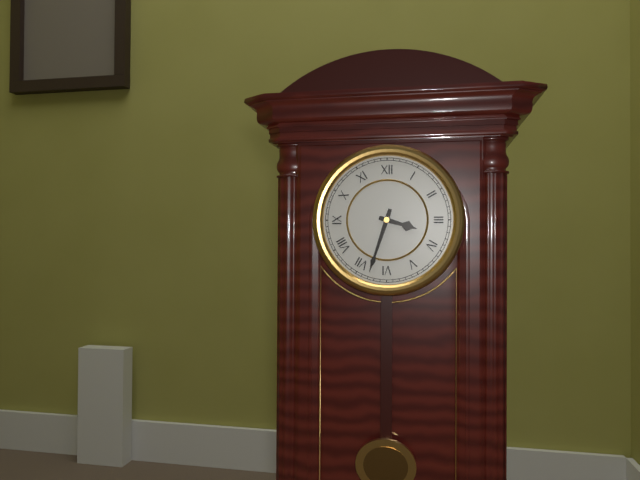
3:33
